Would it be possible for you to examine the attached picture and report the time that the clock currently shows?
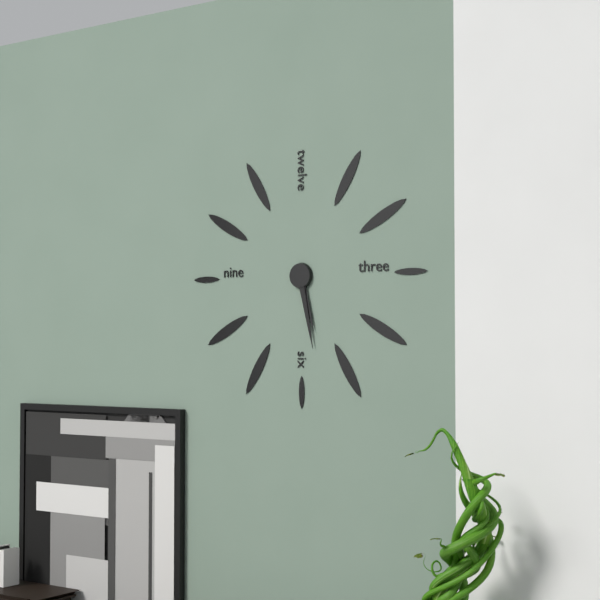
5:28
